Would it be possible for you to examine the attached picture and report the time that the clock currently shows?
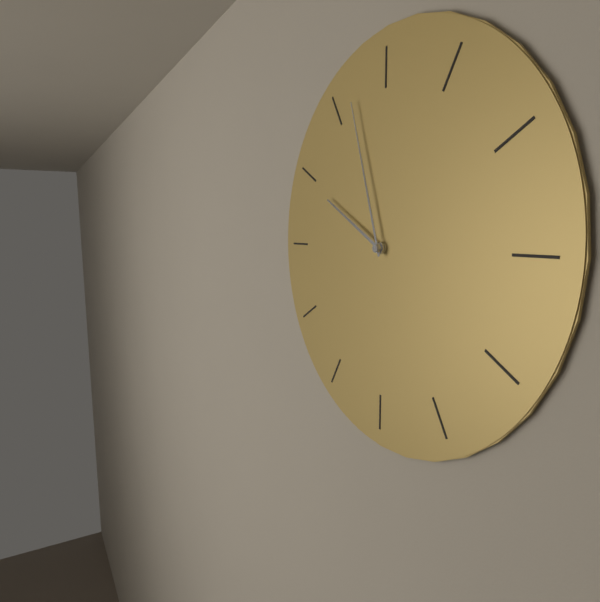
9:57
